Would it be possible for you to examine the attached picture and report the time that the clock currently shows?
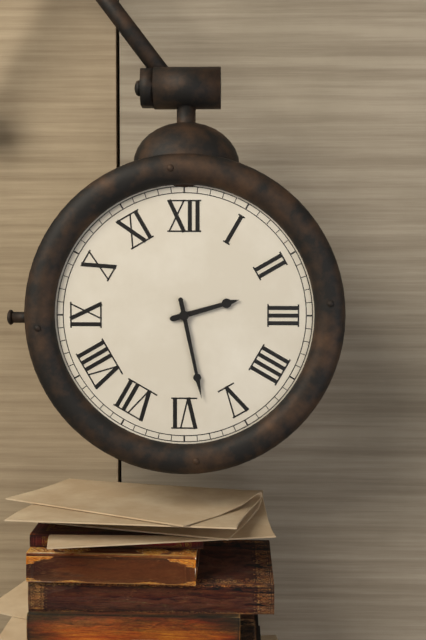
2:28
